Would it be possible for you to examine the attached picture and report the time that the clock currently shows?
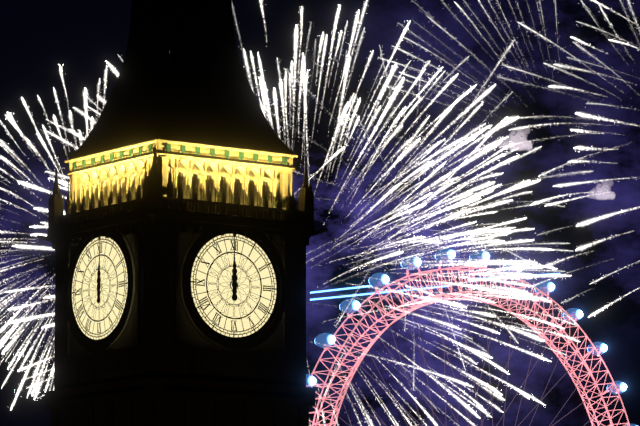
12:00
